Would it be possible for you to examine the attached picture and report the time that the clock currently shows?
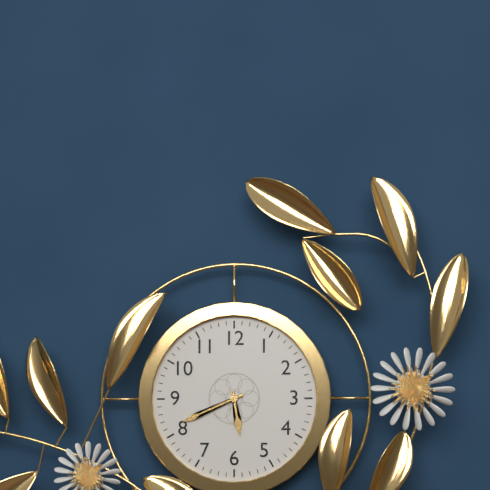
5:41
